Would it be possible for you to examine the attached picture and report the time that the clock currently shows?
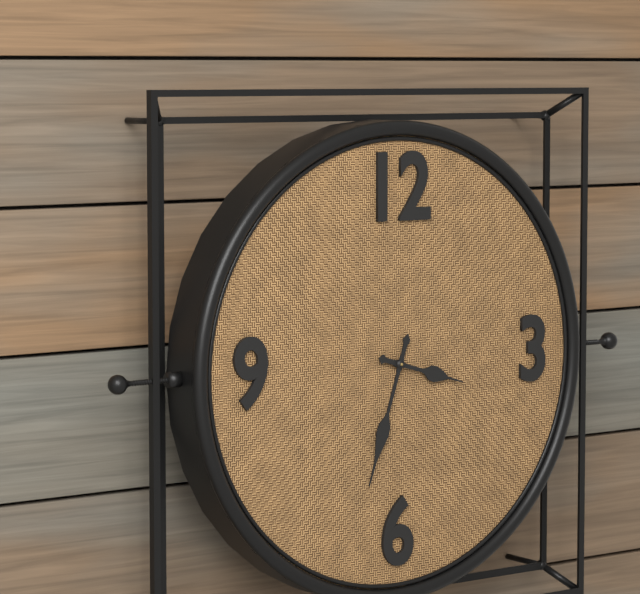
3:33
